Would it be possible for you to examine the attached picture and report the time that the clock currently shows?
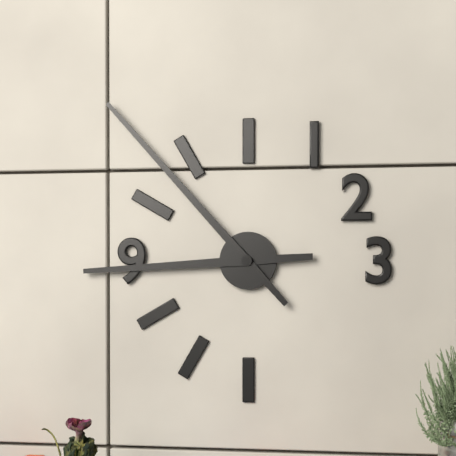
8:53
